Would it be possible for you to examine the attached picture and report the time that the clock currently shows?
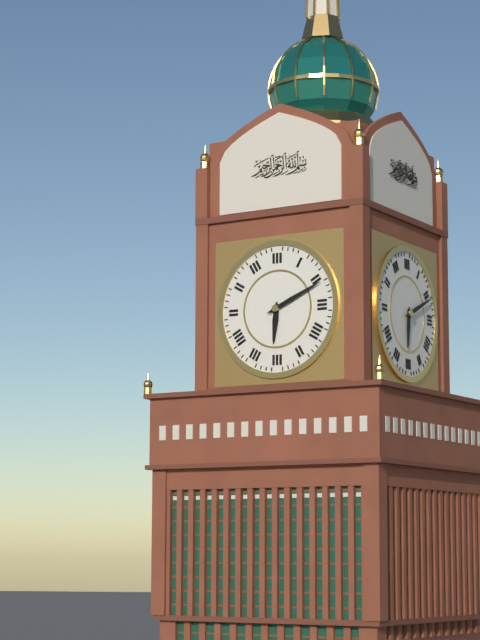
6:11
